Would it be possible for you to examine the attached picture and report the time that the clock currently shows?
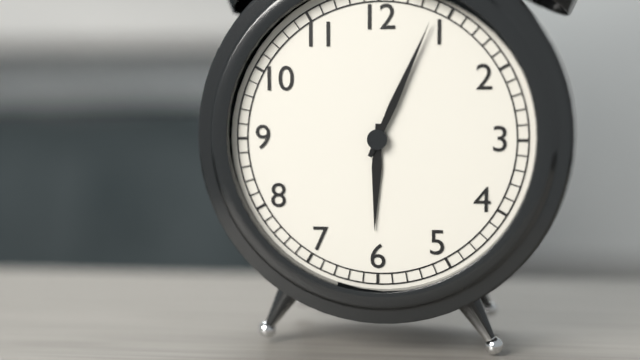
6:04
